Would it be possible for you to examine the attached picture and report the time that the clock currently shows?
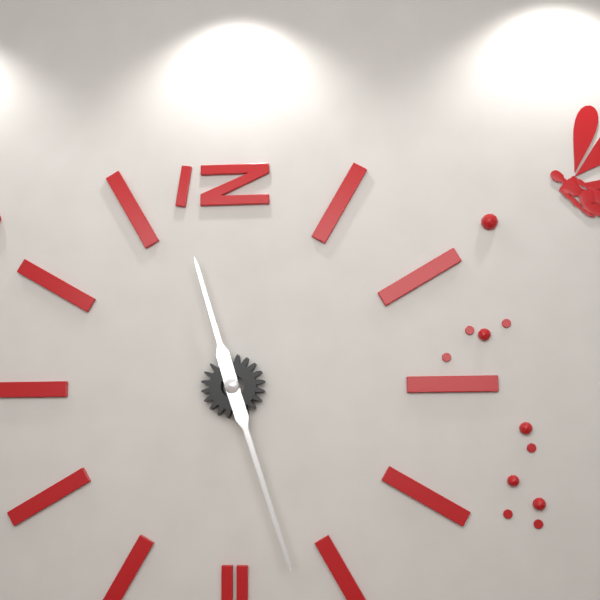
11:27
